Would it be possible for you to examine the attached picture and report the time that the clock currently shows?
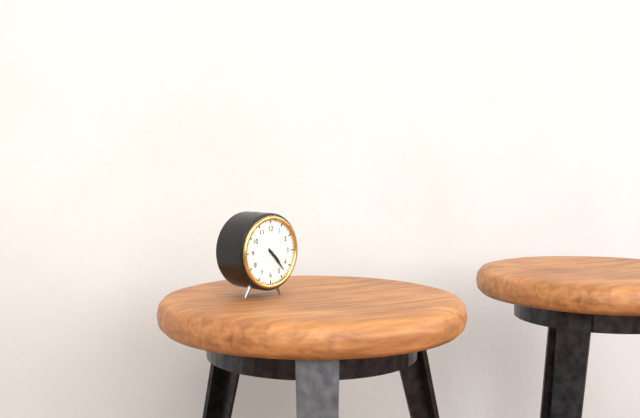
4:23
